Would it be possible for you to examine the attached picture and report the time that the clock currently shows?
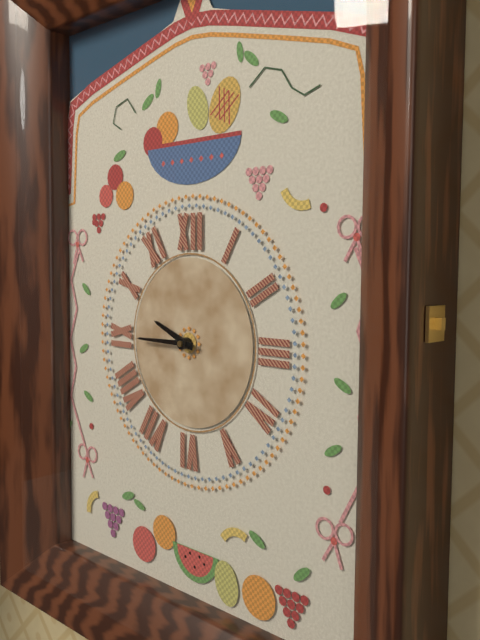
9:45
